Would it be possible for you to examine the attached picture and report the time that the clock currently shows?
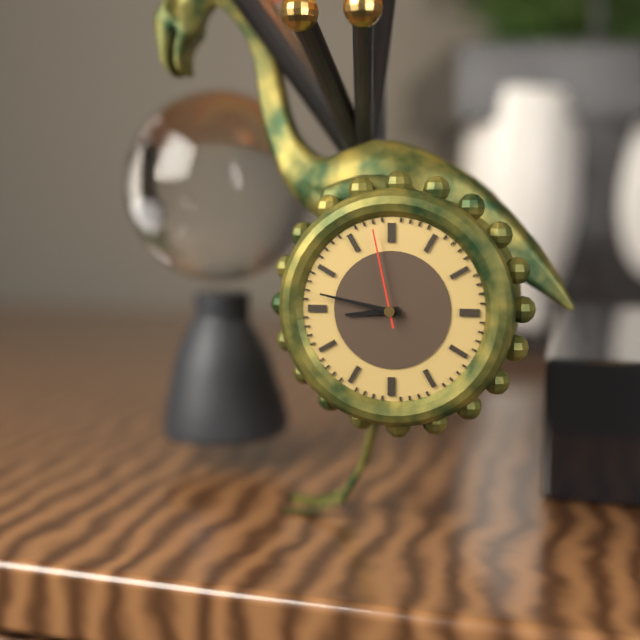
8:47:58
